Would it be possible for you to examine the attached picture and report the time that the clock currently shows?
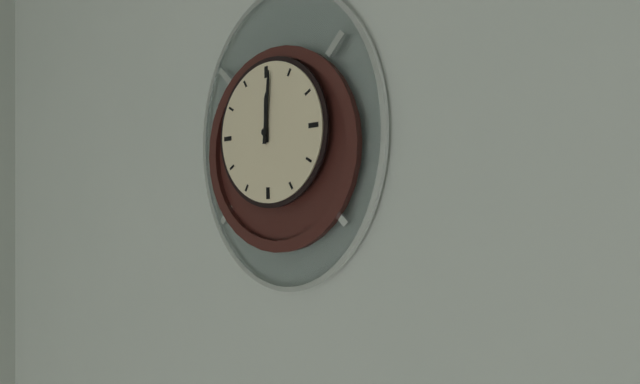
12:01
